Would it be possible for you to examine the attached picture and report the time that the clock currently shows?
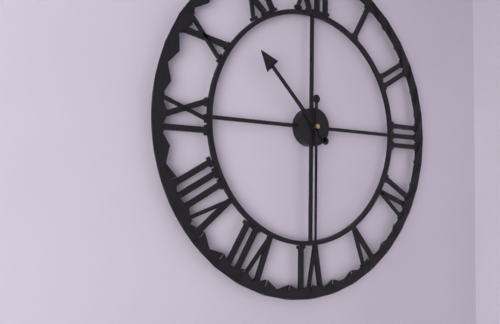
10:30
